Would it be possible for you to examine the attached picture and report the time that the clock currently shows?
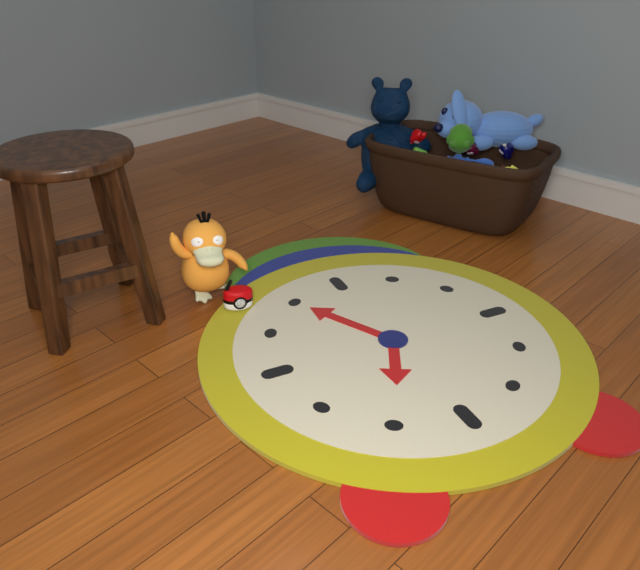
6:55
